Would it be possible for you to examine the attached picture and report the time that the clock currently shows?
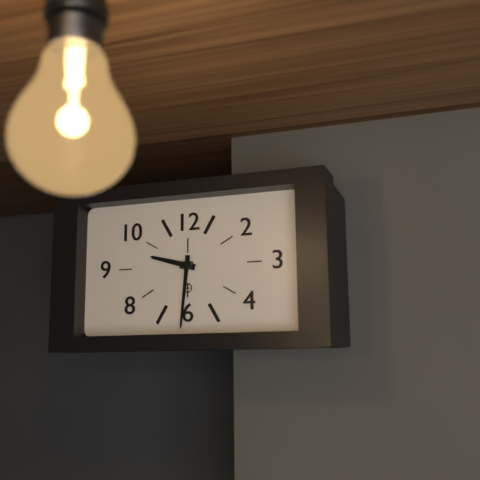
9:31
